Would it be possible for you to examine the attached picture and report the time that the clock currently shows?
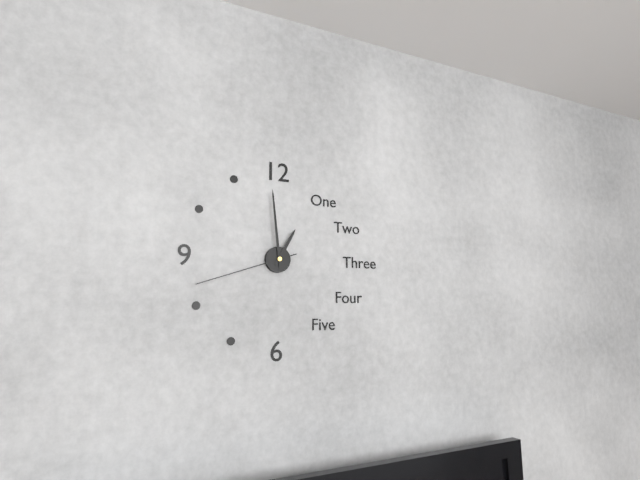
12:59:42
